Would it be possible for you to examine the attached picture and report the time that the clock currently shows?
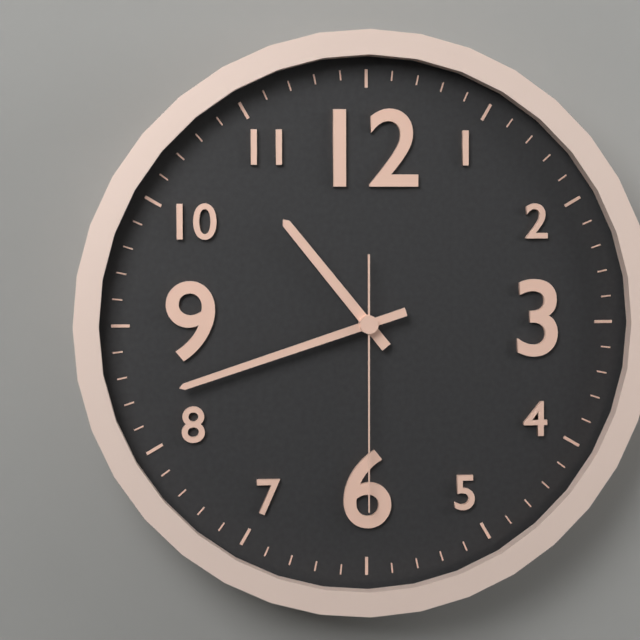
10:42:30
